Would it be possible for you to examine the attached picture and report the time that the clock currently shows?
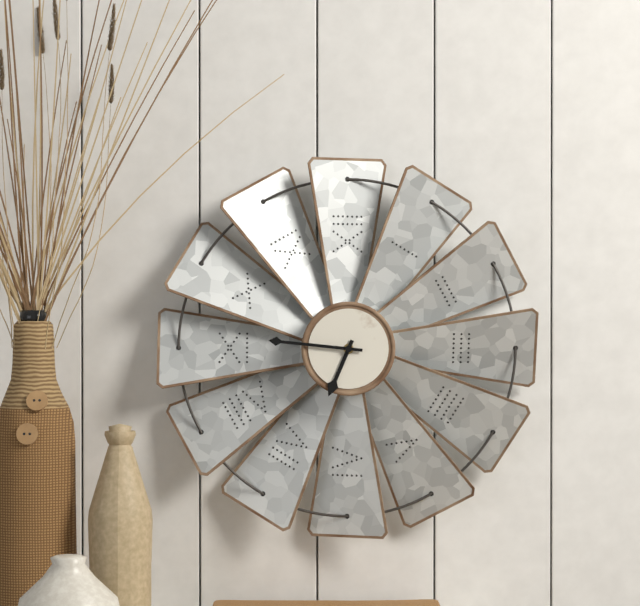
6:46
